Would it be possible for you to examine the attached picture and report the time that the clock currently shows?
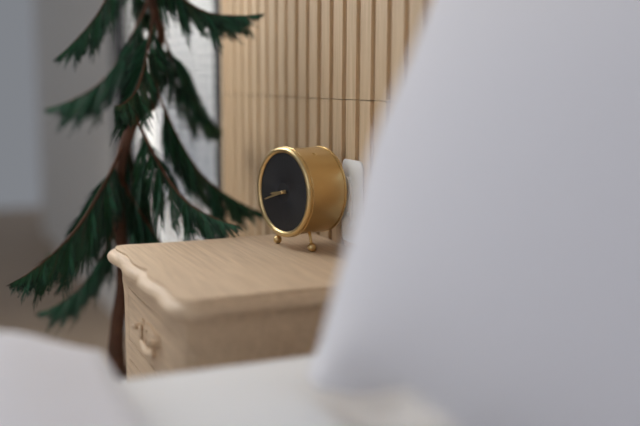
8:42
